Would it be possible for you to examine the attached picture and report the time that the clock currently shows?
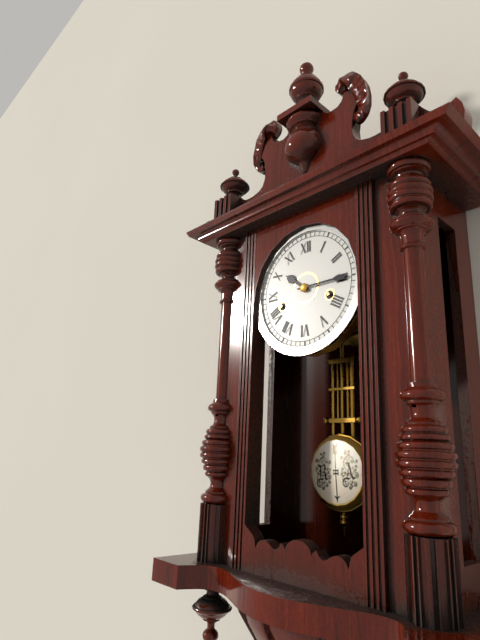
10:15
